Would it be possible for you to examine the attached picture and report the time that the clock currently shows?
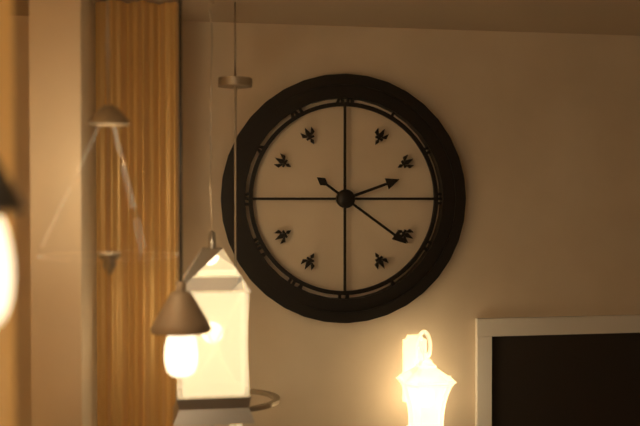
2:21
